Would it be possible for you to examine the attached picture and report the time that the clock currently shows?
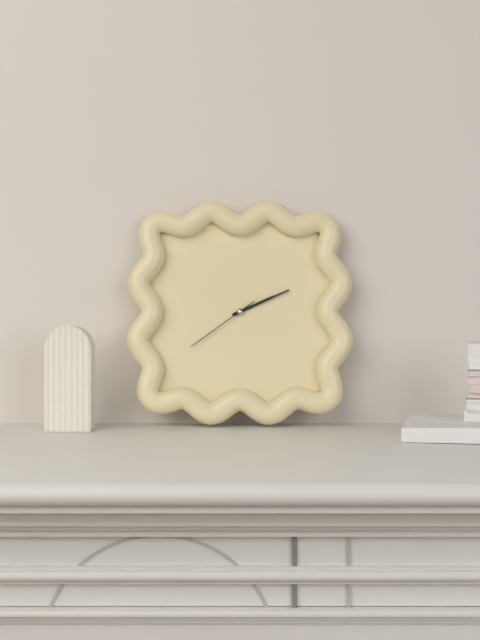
2:11:39
